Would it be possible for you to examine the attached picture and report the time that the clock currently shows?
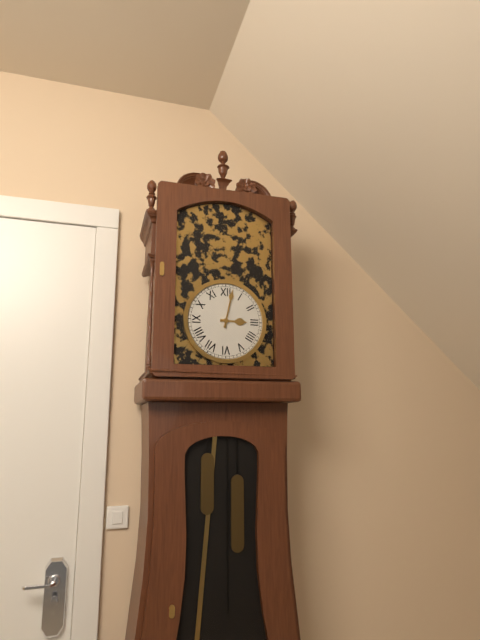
3:02
